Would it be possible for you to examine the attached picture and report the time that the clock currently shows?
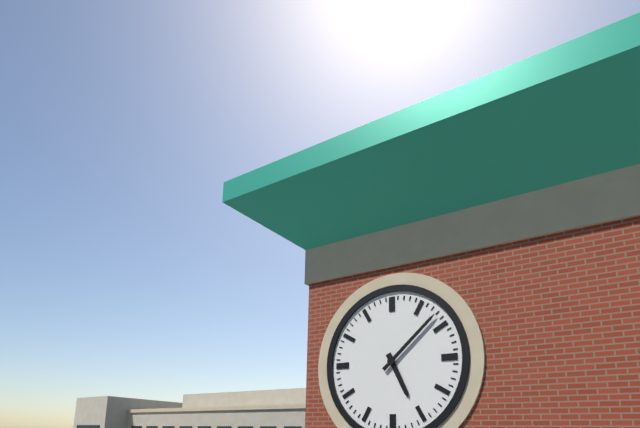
5:08
